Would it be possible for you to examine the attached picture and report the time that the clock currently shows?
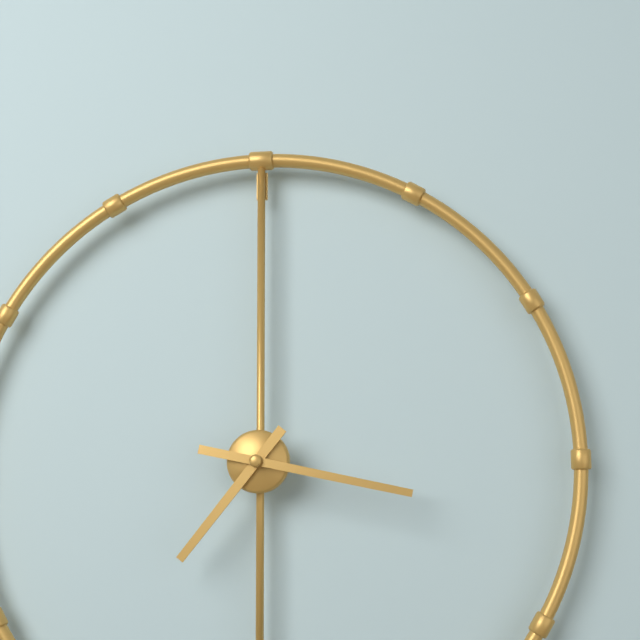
7:17
